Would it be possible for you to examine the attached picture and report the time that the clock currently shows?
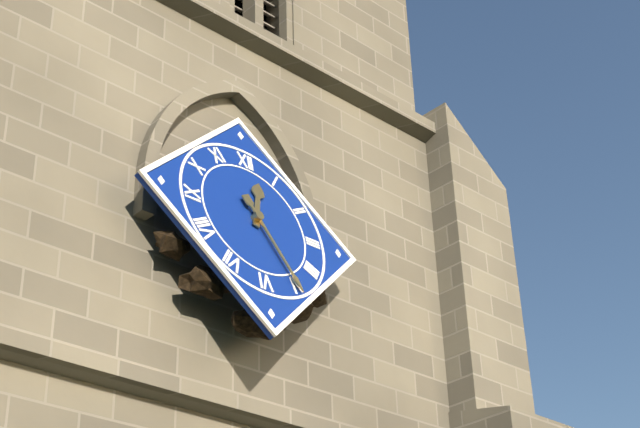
12:25
